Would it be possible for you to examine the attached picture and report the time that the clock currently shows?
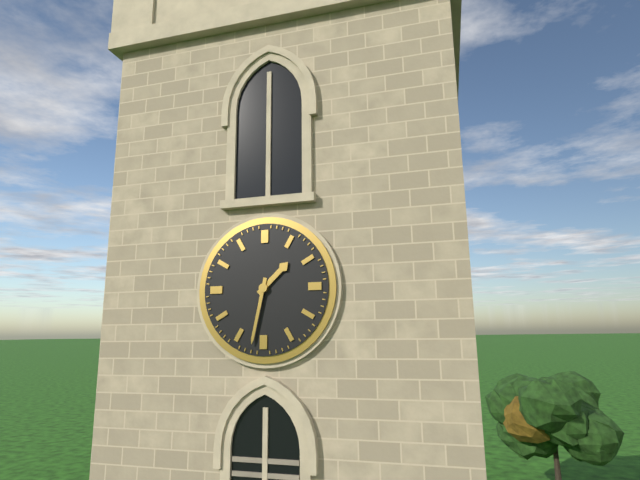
1:32
